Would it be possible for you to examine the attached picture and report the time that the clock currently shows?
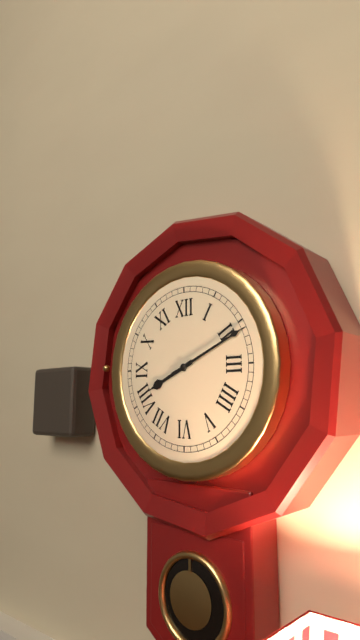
8:11
